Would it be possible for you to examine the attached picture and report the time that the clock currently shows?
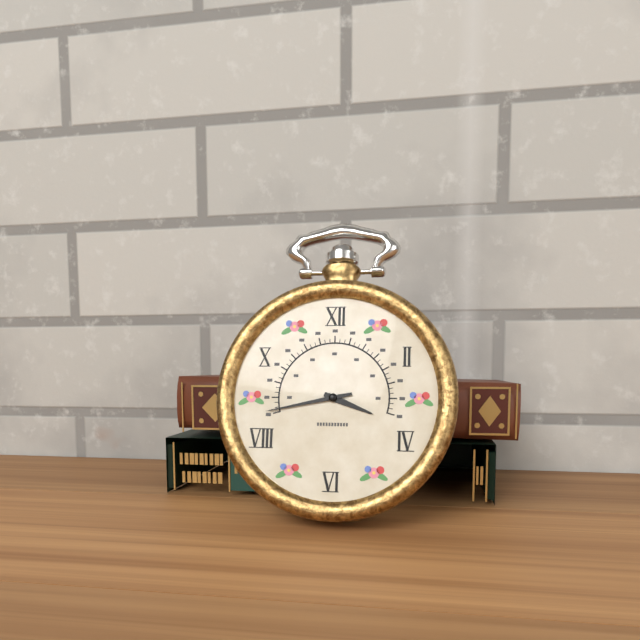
3:43
